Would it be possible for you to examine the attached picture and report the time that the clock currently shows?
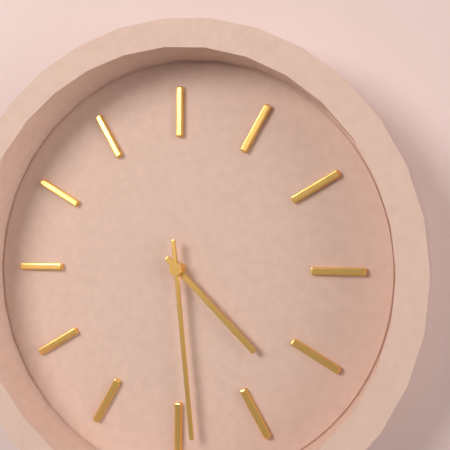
4:29
